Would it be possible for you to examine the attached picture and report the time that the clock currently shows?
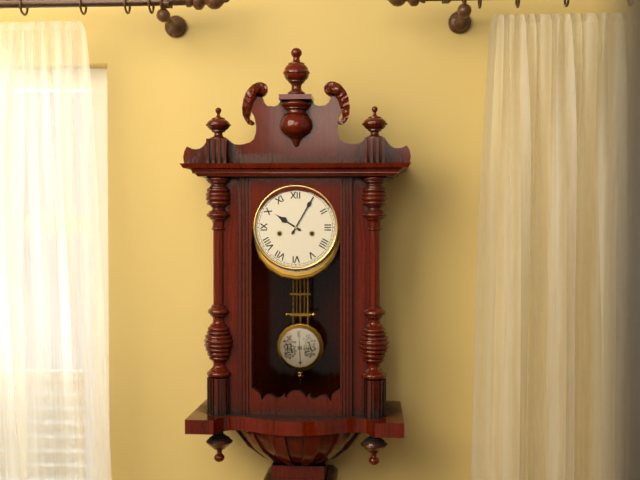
10:05
